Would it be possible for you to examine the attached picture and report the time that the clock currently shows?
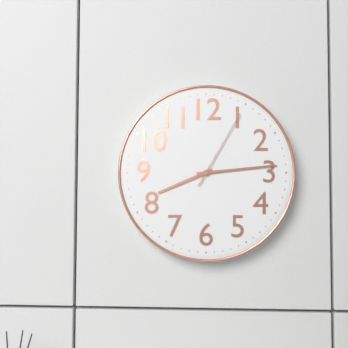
8:14:05
